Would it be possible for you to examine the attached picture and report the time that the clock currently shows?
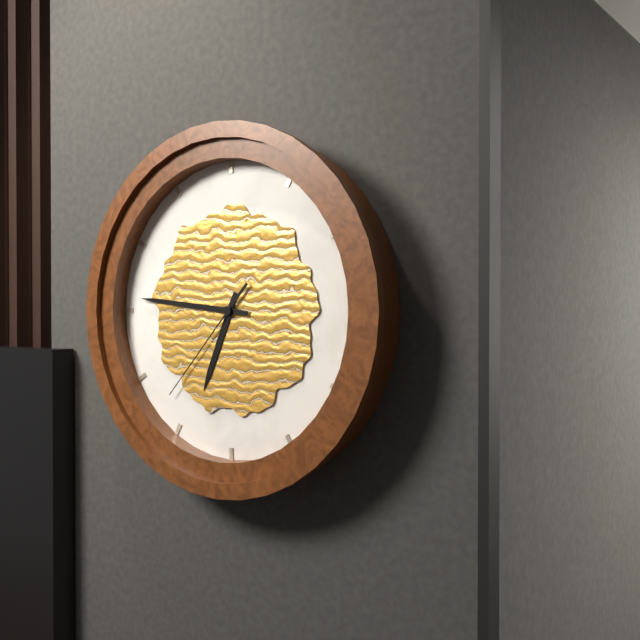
6:46:37
